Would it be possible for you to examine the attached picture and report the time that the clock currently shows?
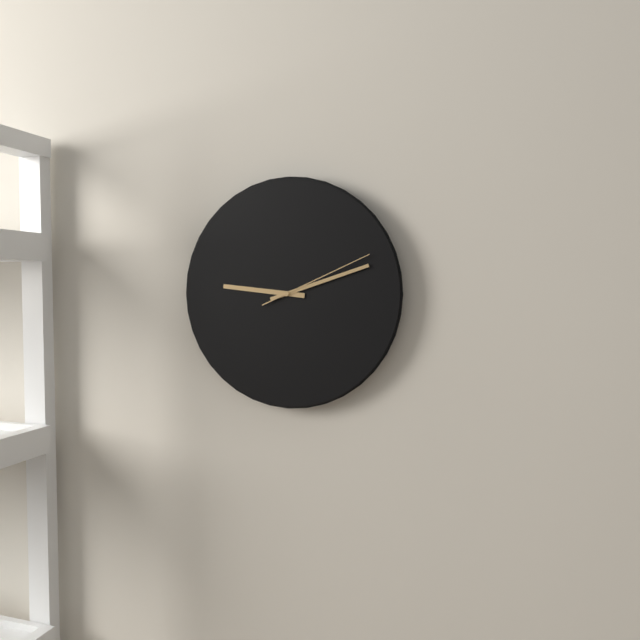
9:12:11
